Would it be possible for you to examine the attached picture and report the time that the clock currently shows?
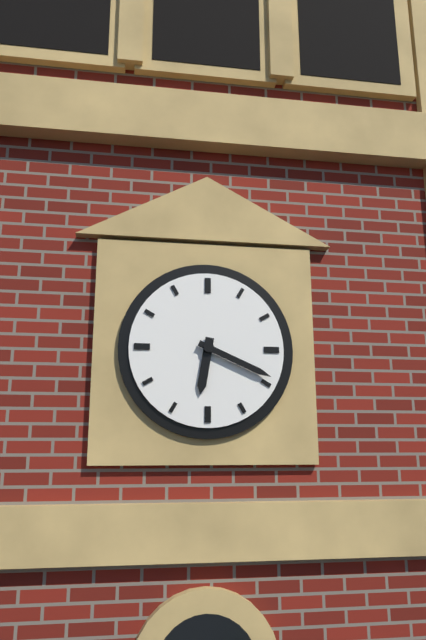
6:19
